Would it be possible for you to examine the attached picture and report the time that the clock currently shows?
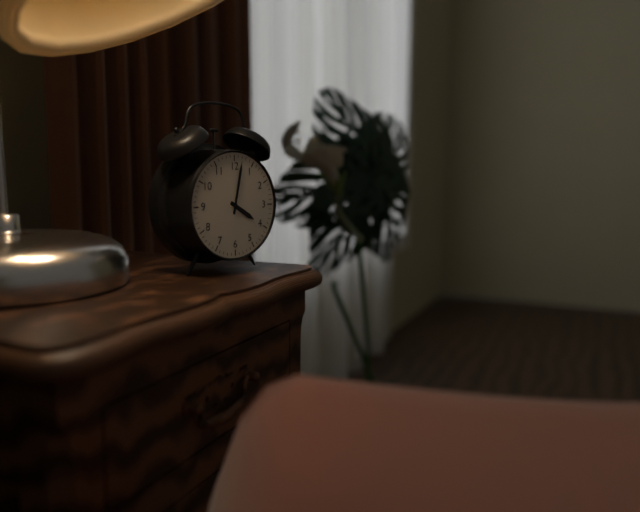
4:02
